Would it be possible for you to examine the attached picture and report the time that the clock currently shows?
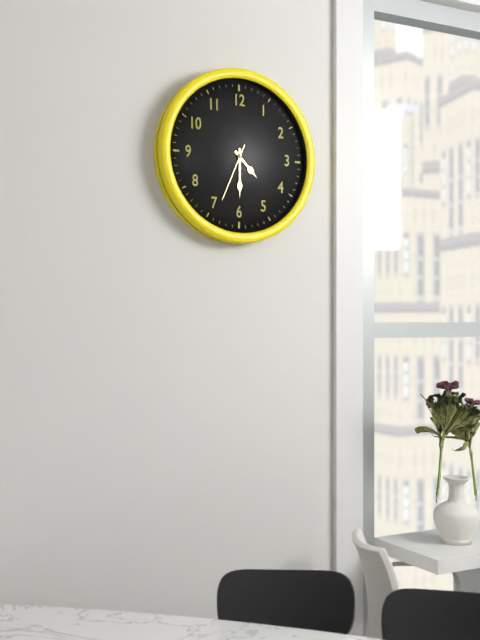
4:30:34
